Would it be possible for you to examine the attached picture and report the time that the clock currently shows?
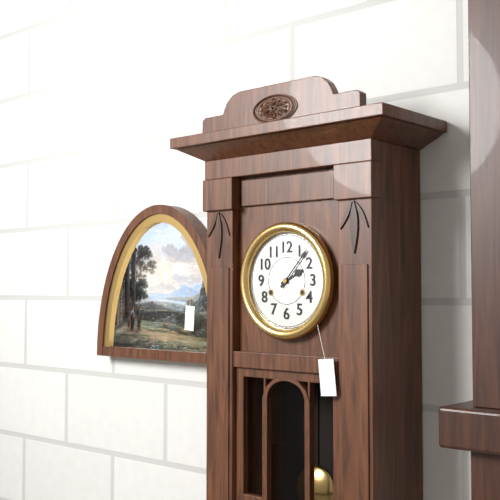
2:07
